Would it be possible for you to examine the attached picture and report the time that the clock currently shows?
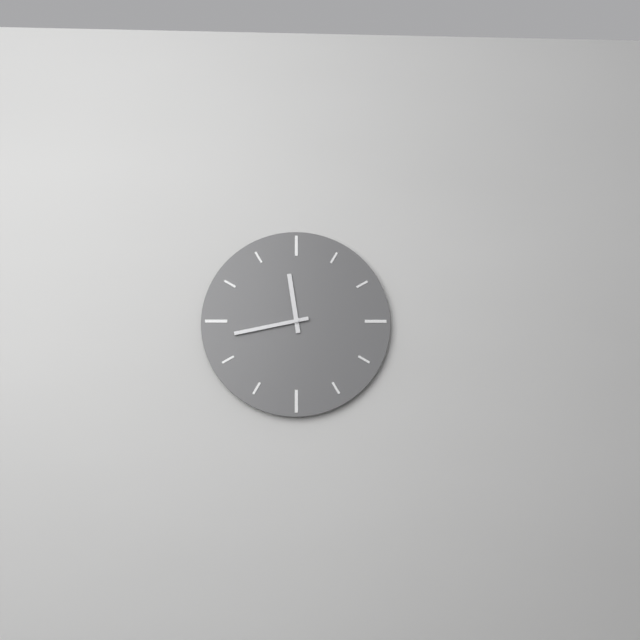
11:43
